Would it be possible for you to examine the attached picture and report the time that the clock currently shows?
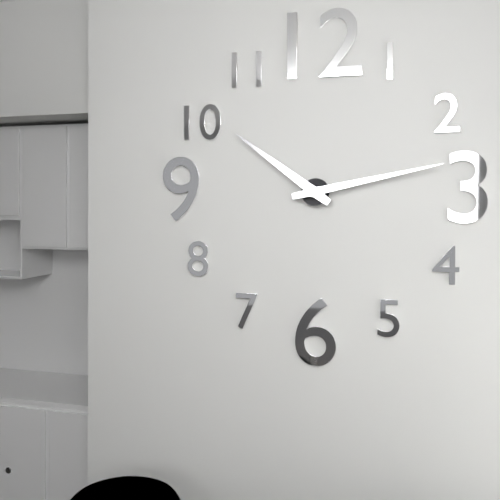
10:13
